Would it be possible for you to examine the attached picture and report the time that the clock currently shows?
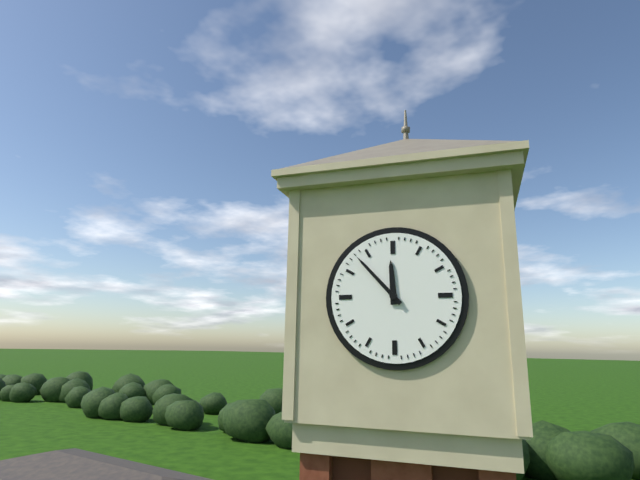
11:53
